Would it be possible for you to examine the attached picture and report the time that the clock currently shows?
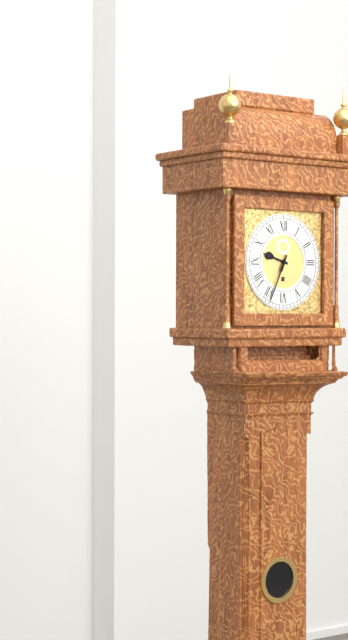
9:34
